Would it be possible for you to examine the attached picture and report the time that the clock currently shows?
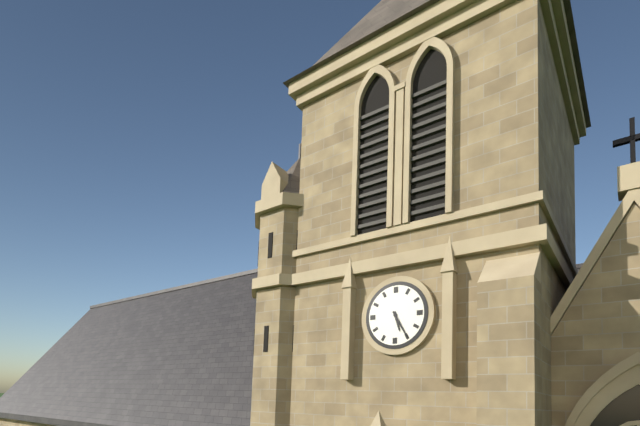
5:25
